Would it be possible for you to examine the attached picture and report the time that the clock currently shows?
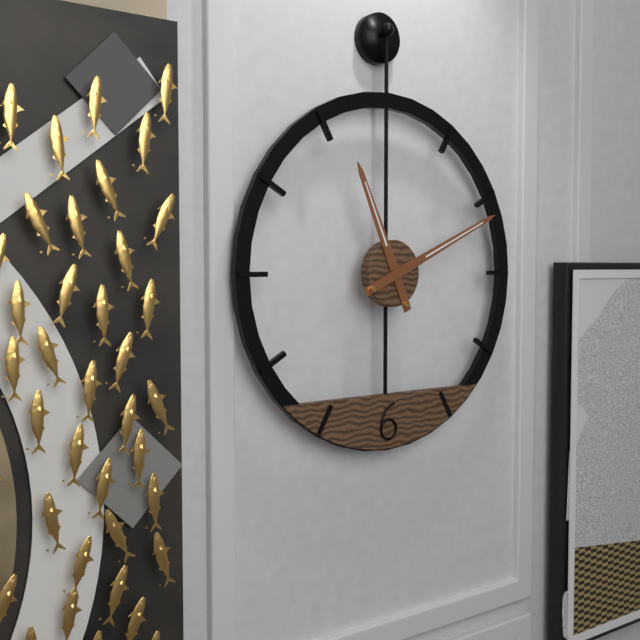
11:11
